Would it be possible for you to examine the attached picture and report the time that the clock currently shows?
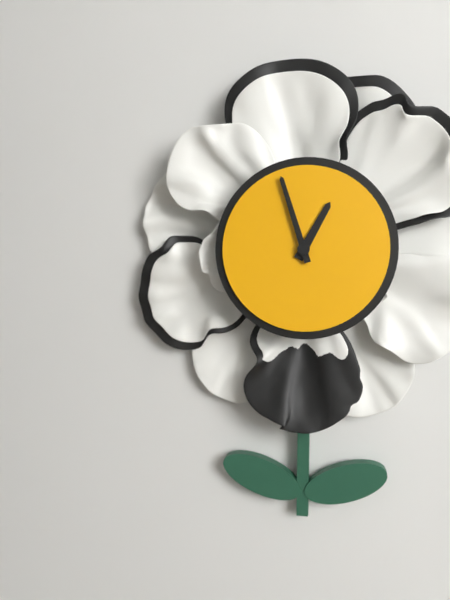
12:57
